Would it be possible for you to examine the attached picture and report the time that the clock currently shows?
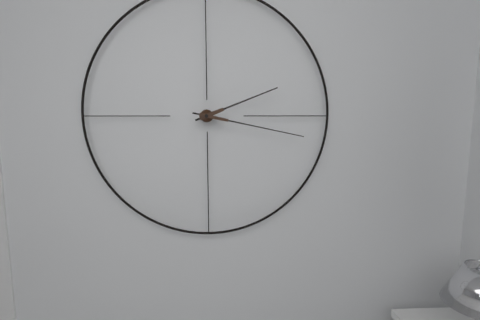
2:17
